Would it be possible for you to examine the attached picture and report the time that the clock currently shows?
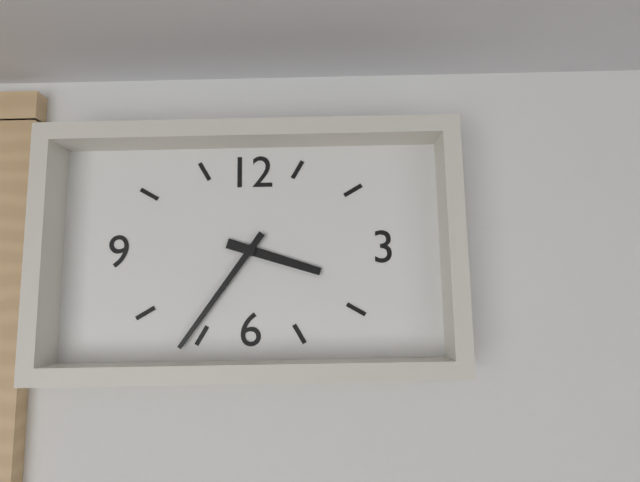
3:36
